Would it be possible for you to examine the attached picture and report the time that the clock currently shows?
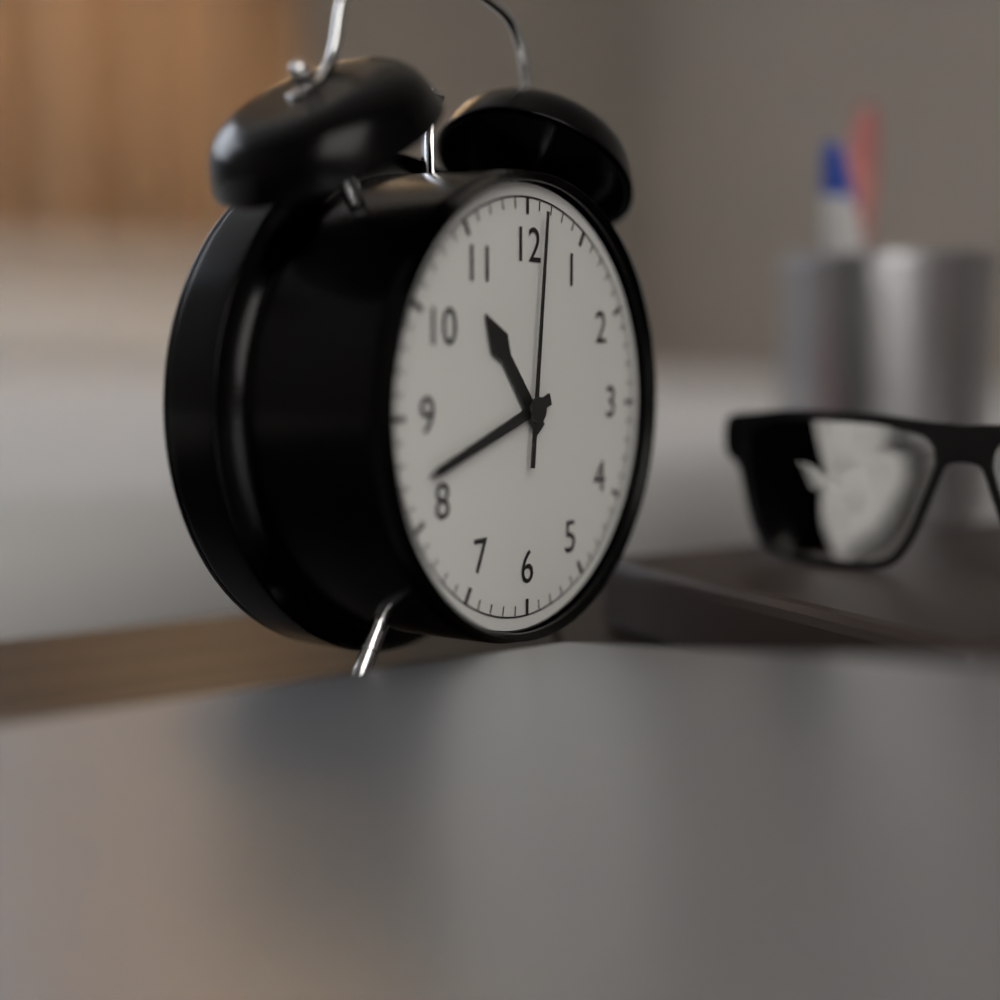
10:42:01
